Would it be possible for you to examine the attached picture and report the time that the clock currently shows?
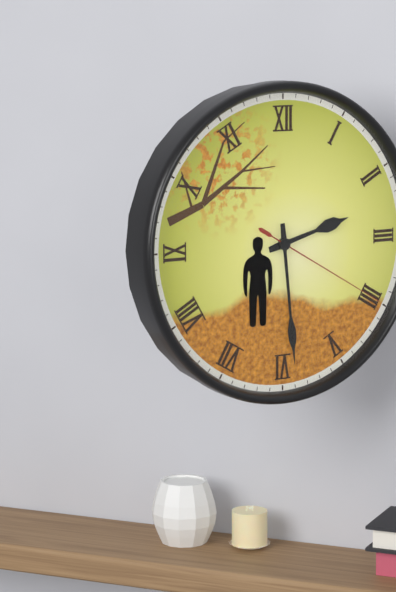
2:29:20
